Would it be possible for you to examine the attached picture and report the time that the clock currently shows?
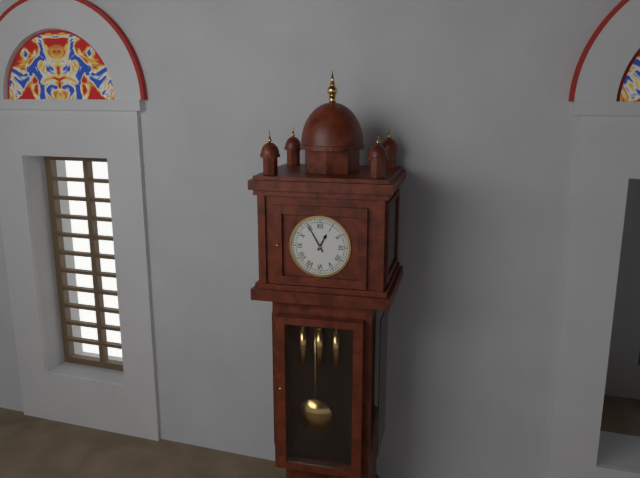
12:55
